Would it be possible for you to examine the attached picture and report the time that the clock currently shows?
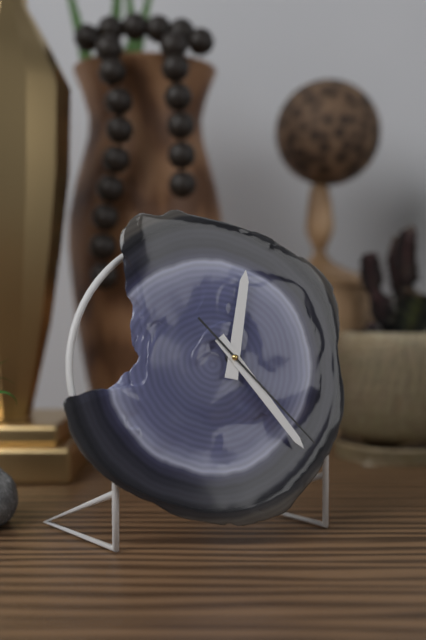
12:24:23
